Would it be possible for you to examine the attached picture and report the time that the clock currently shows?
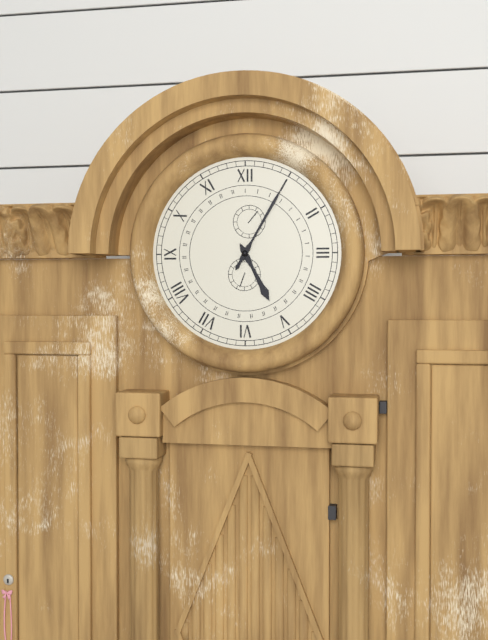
5:05
